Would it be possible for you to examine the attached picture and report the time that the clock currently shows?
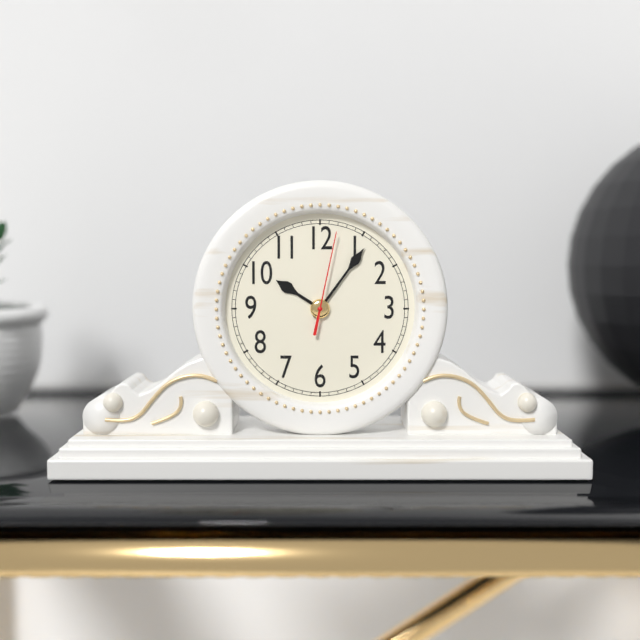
10:06:02
